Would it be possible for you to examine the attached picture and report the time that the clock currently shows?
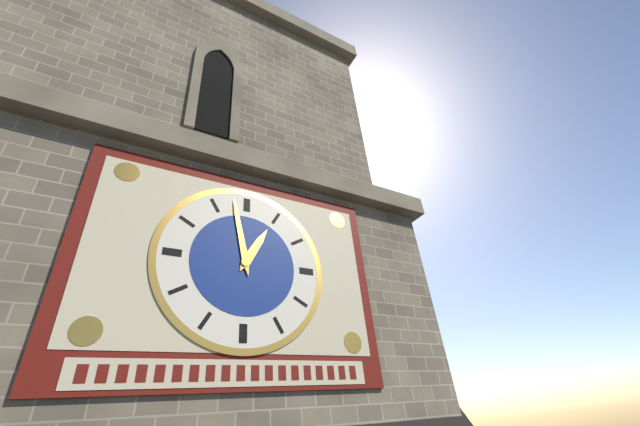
12:58
